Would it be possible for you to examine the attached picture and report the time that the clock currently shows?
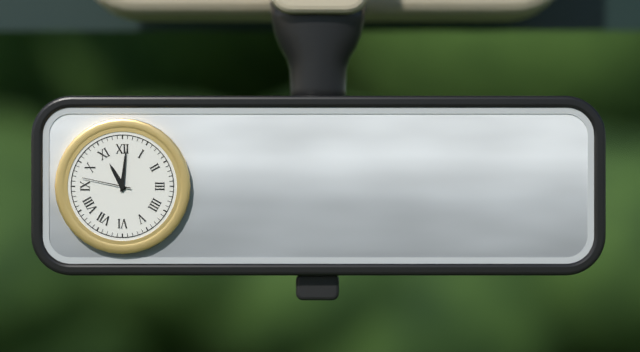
11:01:47
